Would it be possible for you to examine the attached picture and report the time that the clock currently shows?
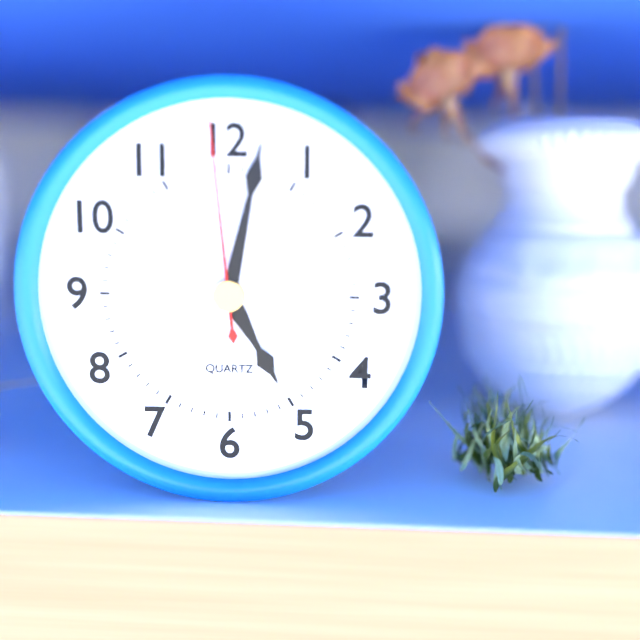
5:02:59
